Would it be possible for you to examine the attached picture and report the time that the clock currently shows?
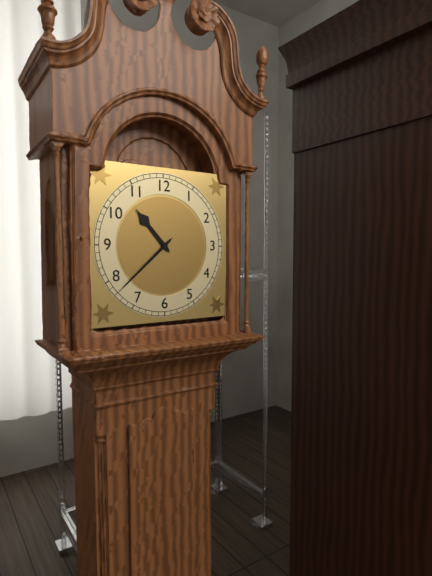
10:38
